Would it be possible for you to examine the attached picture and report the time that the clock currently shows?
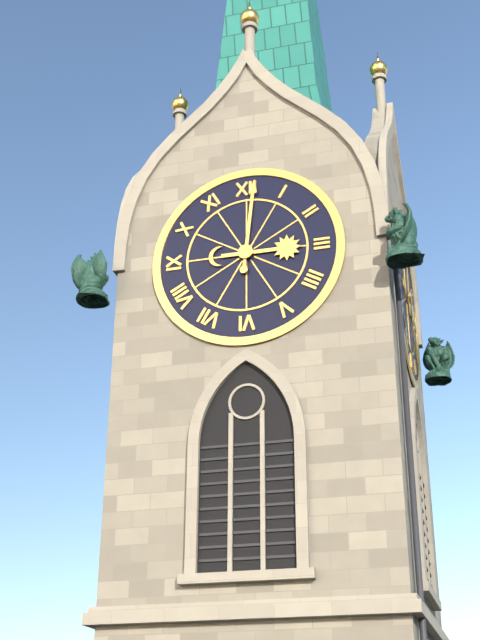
3:01
